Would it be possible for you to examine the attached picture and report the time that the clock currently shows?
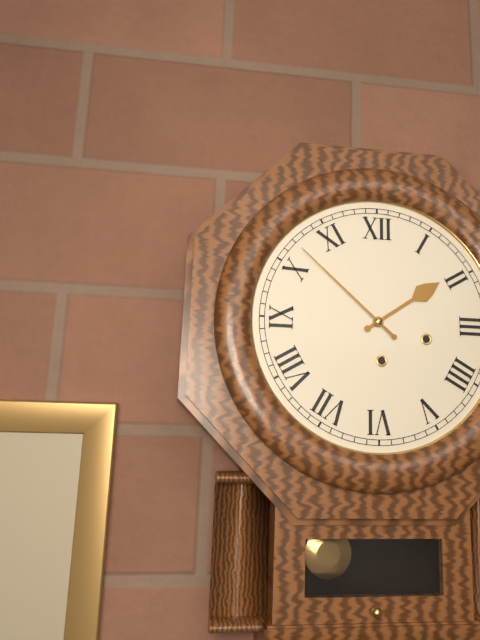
1:52
